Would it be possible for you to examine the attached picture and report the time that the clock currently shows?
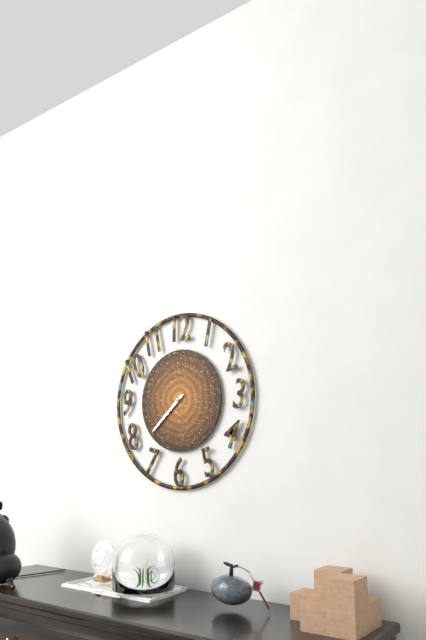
7:38
